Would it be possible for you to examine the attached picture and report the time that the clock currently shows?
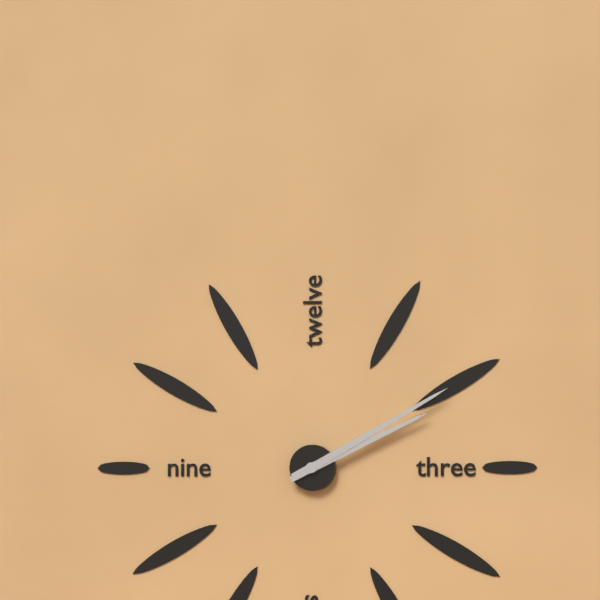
2:10
